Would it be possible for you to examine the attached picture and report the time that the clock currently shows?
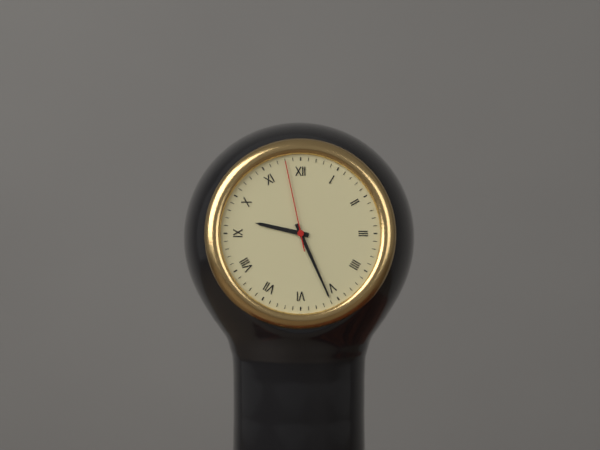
9:26:58
